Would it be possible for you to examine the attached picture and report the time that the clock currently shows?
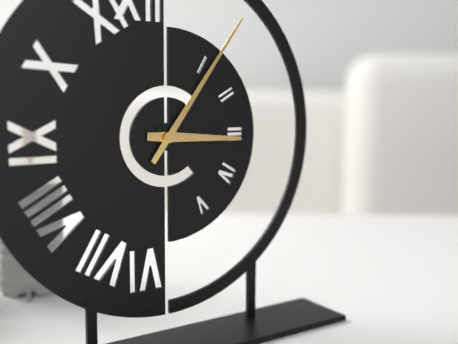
3:06
